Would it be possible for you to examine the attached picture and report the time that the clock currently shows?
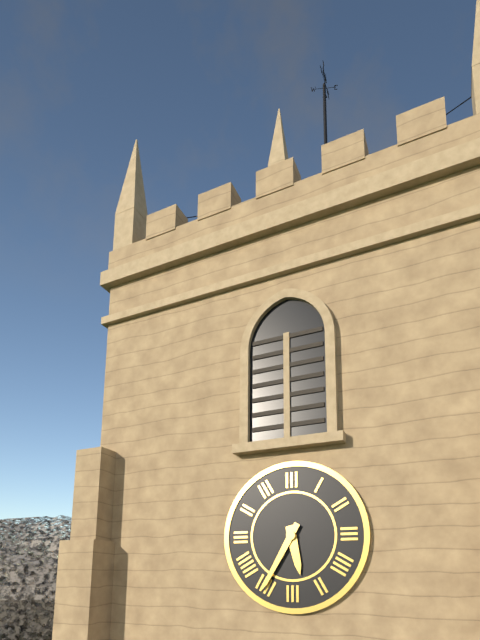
5:35
